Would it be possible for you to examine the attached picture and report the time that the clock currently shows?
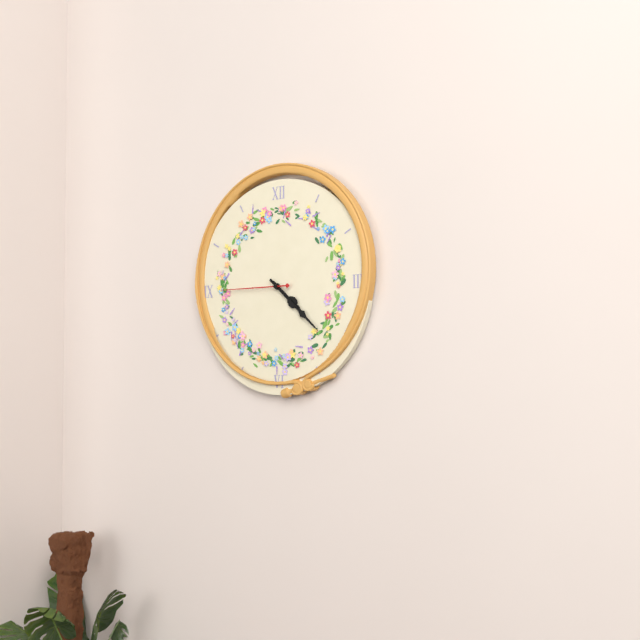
4:22:45
